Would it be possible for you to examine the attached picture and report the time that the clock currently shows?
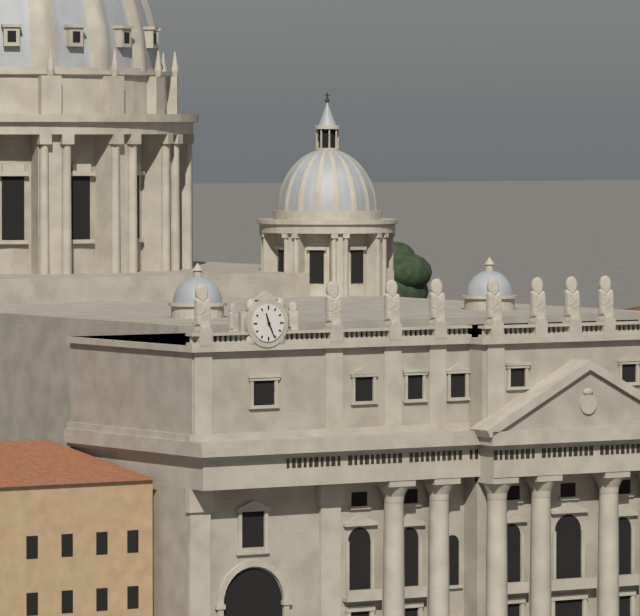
11:26
